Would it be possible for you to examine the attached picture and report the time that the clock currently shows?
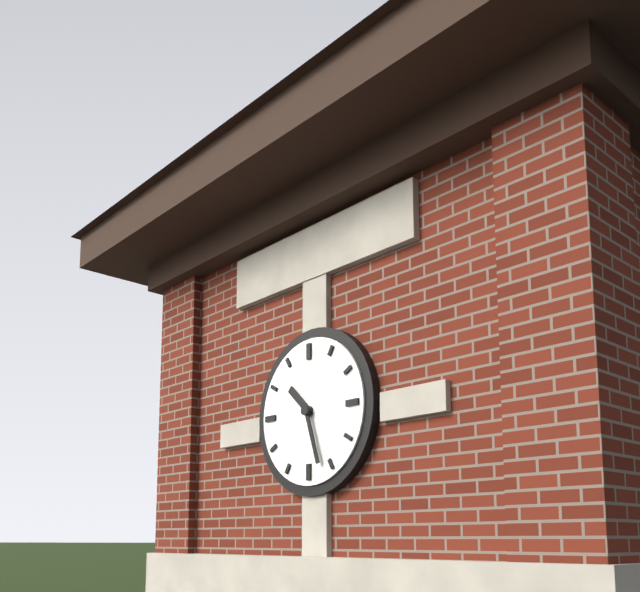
10:27
